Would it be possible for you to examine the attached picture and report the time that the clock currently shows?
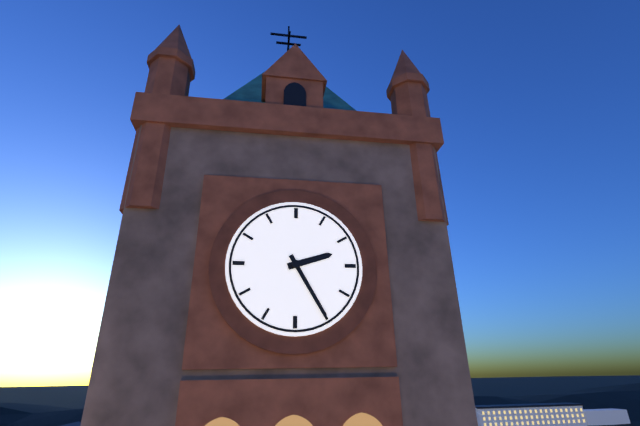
2:25
